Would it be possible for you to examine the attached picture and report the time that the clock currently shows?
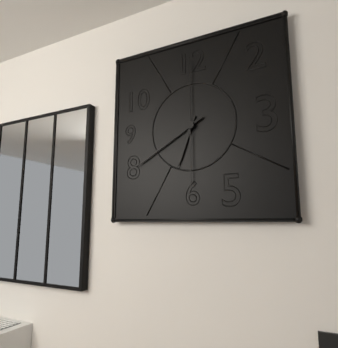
6:40:00
